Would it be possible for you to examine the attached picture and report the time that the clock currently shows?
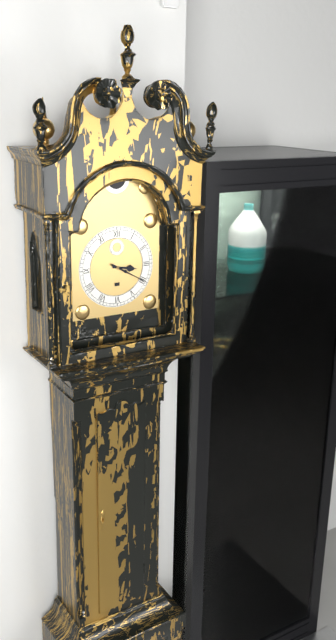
3:20
